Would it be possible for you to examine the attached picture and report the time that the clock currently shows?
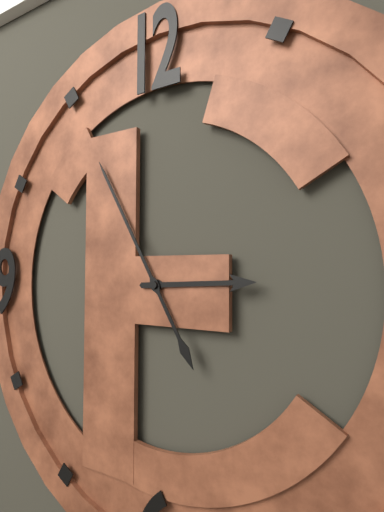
2:55
